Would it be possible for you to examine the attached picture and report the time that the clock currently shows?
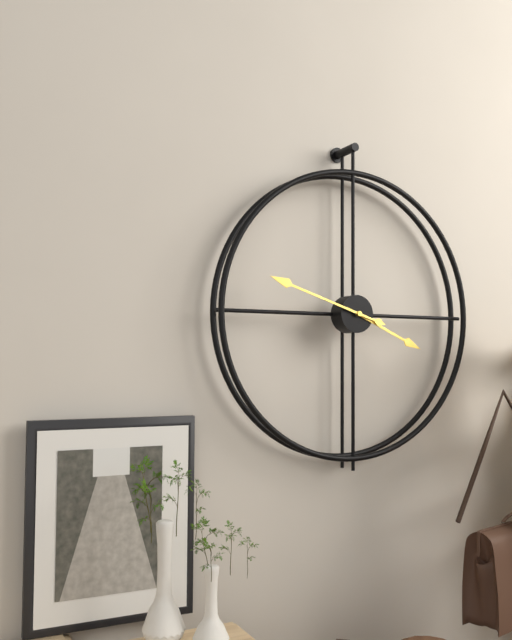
3:48
